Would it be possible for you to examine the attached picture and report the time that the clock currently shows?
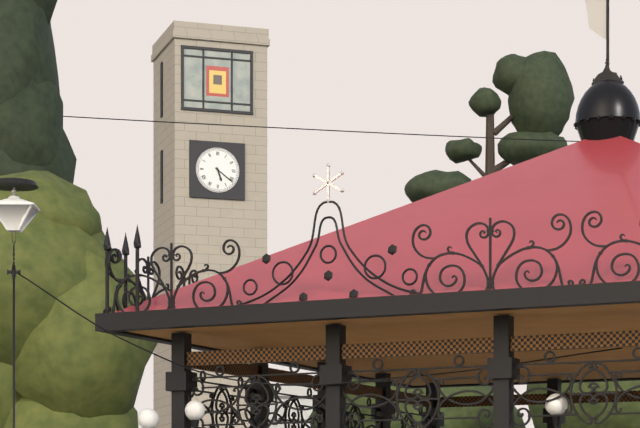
5:21
